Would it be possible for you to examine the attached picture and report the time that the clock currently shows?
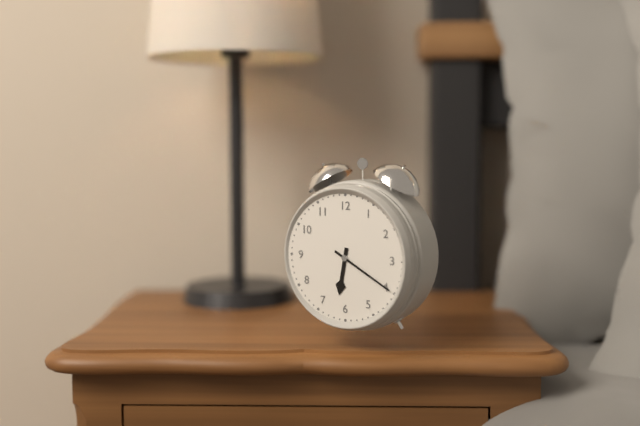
6:20
